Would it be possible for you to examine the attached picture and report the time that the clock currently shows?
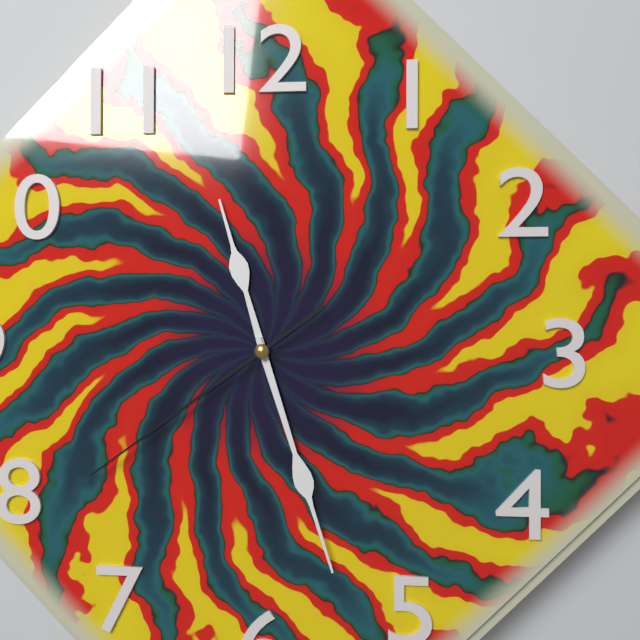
11:27:39
